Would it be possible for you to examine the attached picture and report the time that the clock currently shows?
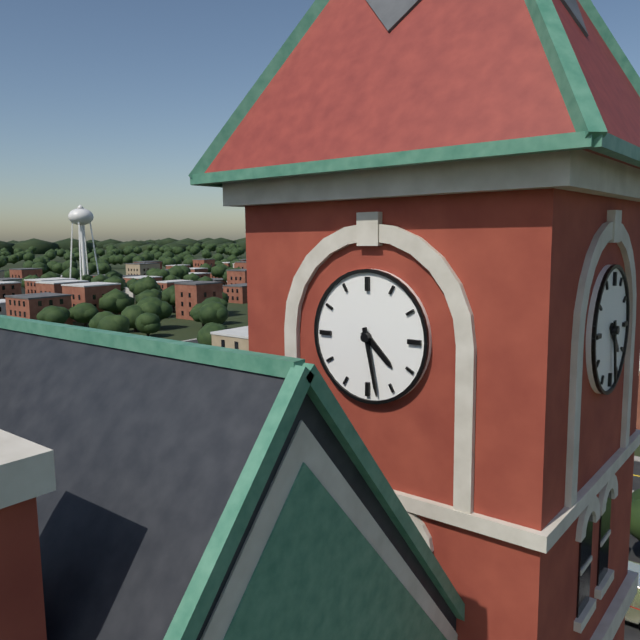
4:28
